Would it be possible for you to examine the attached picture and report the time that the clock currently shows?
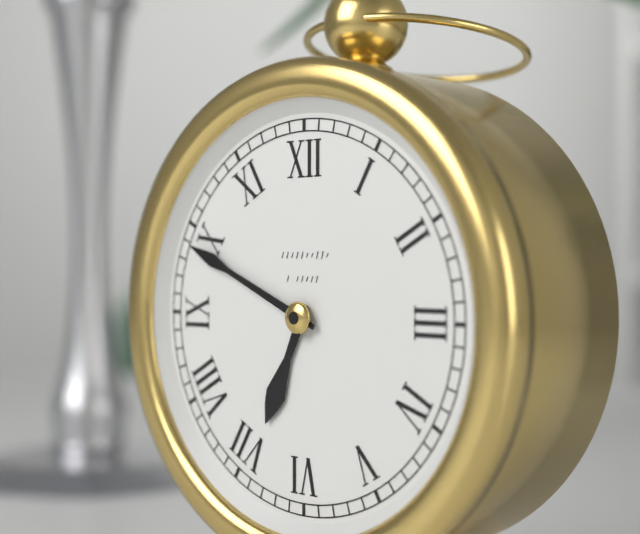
6:49
